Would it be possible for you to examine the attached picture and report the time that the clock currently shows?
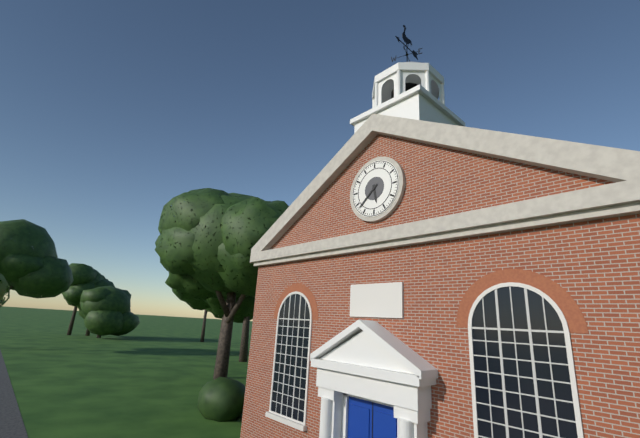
5:38
